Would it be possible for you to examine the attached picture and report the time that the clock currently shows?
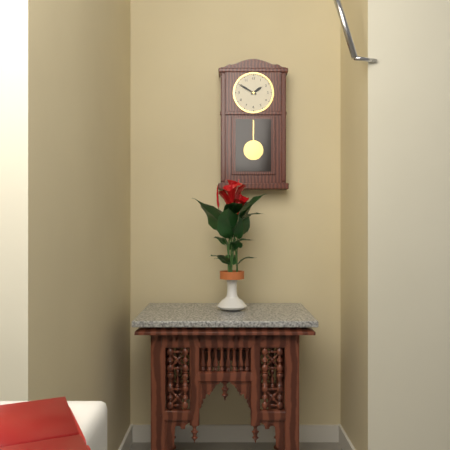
1:50
